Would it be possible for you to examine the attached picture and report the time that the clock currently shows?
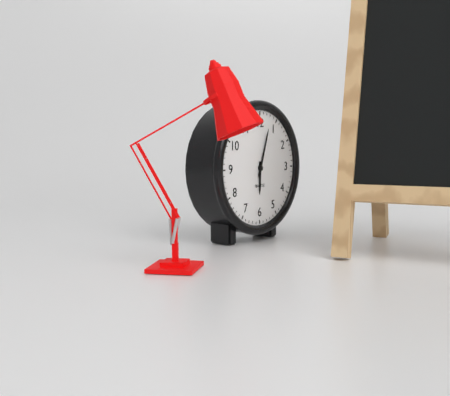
6:03
